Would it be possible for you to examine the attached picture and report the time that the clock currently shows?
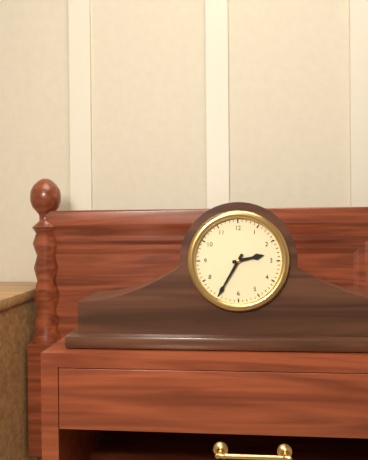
2:35
